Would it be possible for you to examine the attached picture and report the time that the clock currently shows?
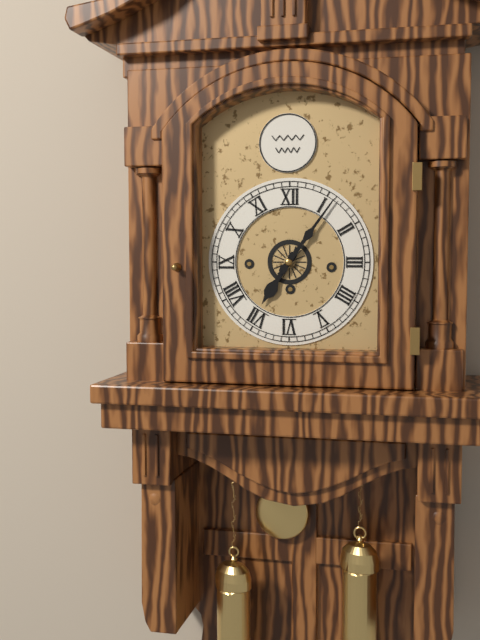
7:06
